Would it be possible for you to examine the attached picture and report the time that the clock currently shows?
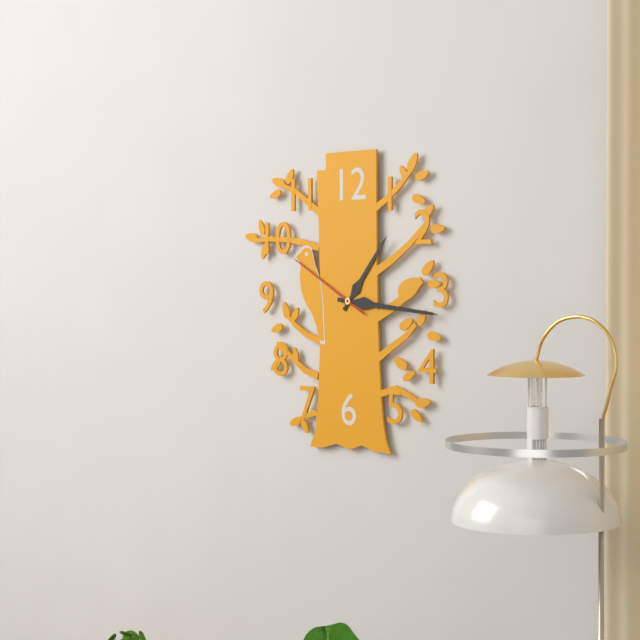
1:16:50
